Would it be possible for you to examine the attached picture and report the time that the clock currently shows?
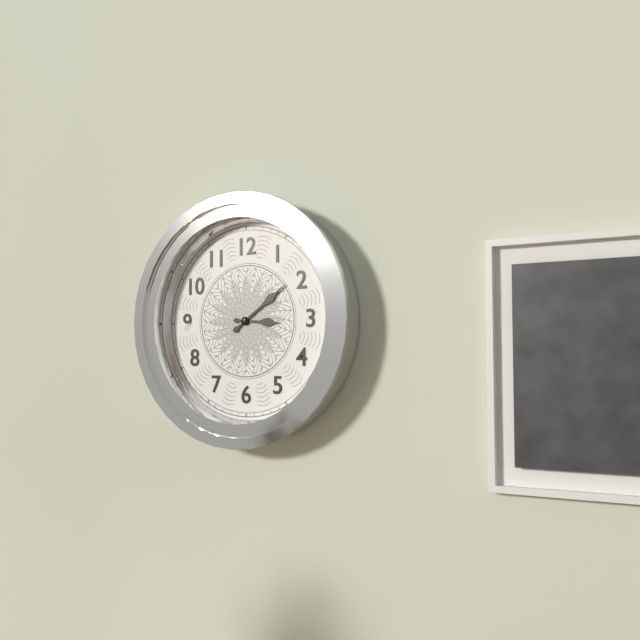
3:09
